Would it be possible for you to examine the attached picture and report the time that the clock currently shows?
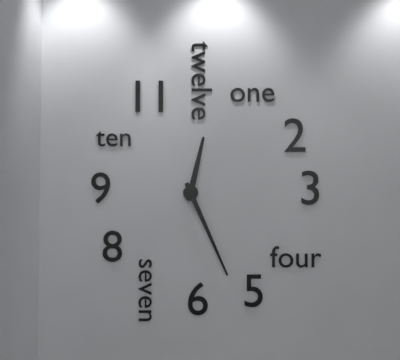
12:26
